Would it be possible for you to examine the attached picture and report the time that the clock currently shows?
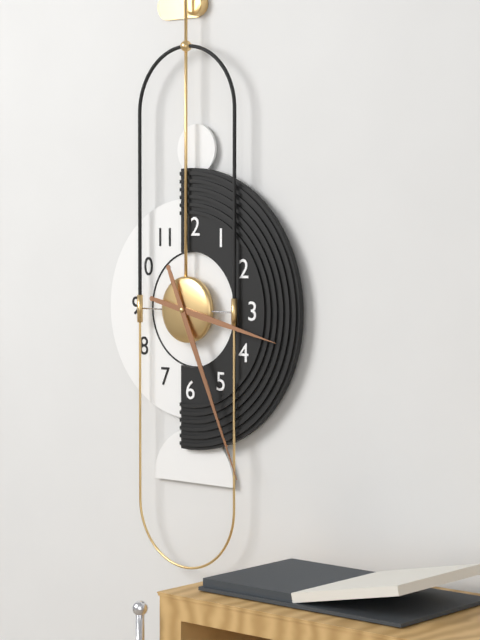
3:26
